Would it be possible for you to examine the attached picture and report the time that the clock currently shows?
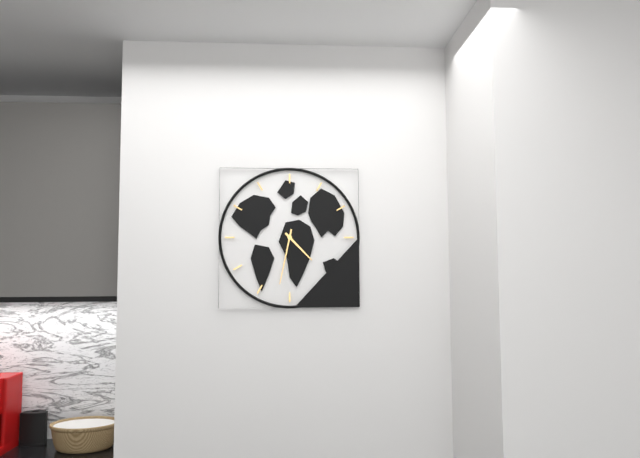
4:32
